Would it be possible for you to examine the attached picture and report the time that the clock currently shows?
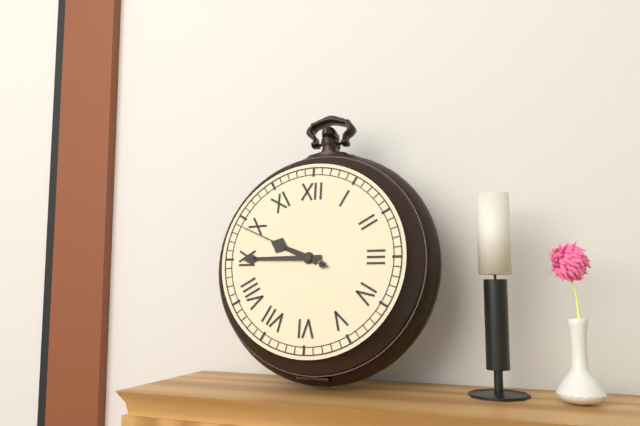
9:45:49
